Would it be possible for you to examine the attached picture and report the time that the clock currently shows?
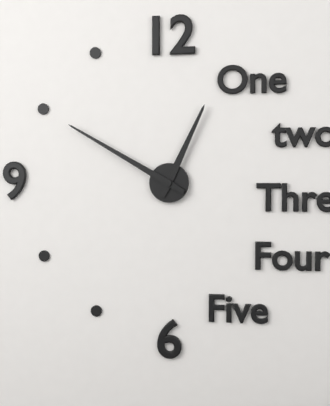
12:50
